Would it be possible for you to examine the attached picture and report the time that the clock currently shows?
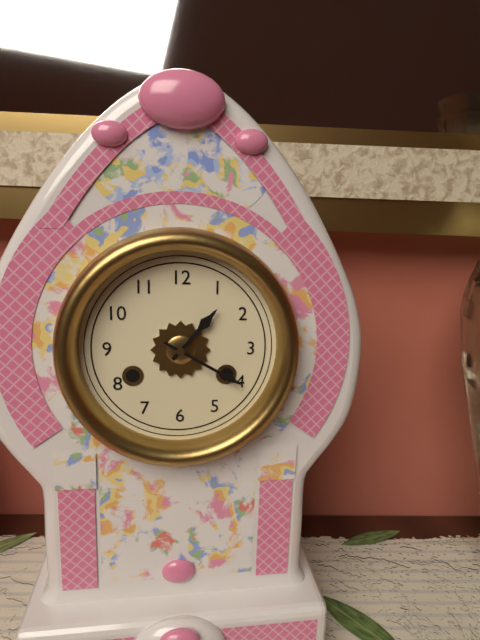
1:20
